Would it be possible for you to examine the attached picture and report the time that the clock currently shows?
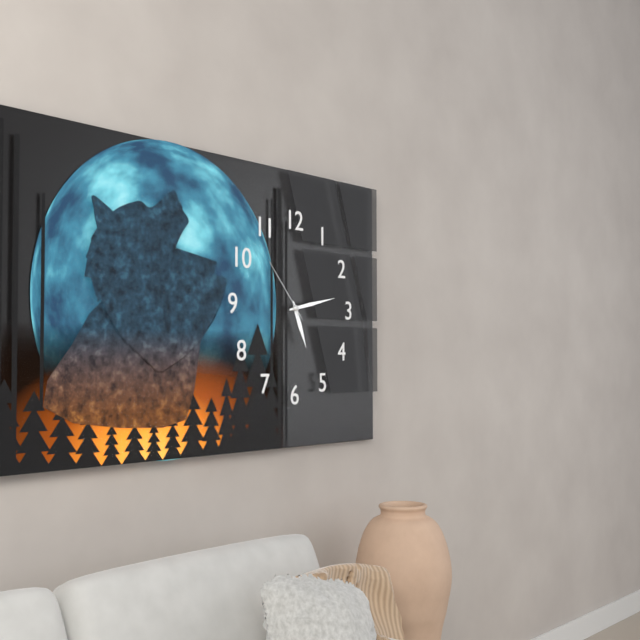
5:13:53
